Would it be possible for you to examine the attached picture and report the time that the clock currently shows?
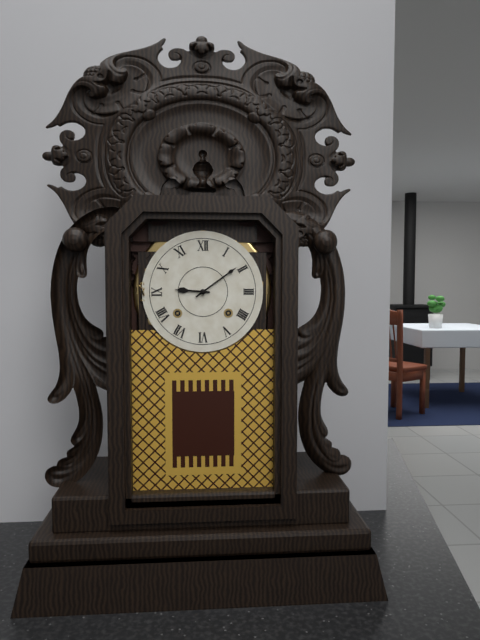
9:09
